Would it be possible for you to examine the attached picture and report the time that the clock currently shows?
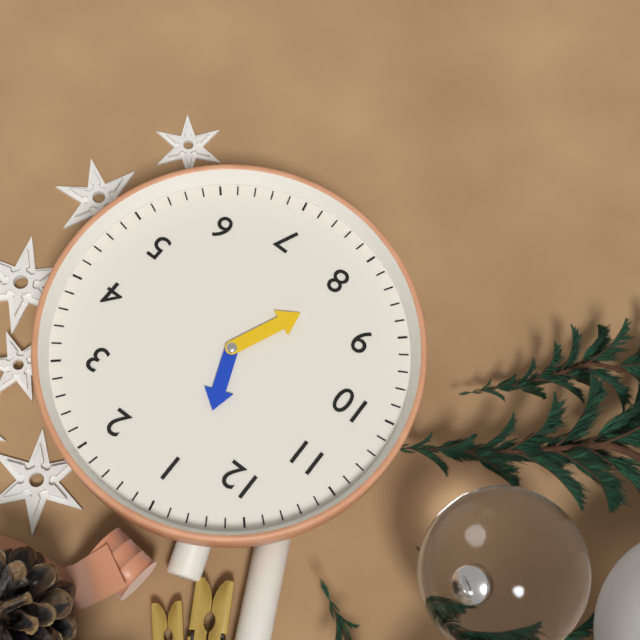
12:41
